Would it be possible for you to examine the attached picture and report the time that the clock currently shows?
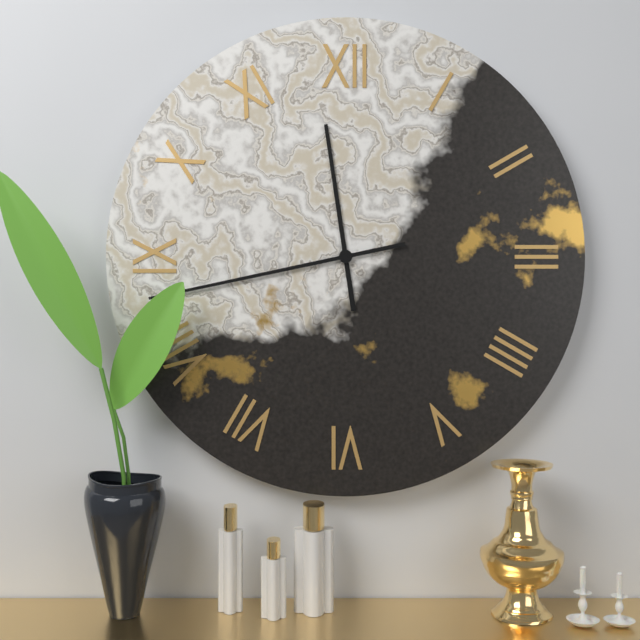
11:43
